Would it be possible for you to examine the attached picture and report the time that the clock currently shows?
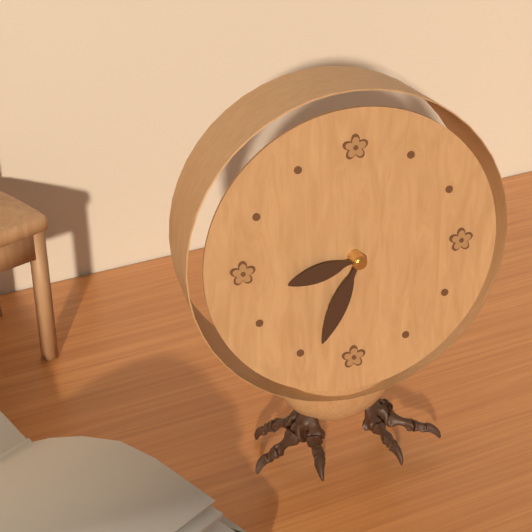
8:34
